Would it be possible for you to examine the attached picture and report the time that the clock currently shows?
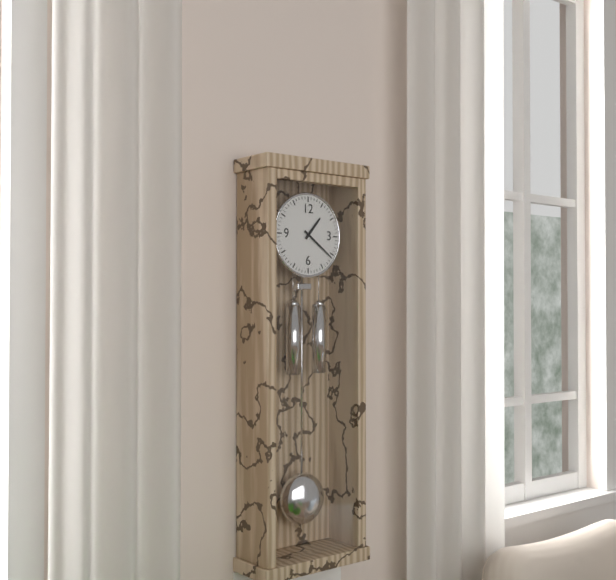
1:21
